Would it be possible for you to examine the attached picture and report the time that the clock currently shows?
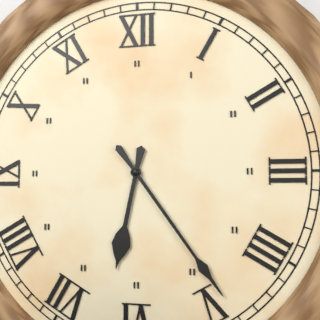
6:24
